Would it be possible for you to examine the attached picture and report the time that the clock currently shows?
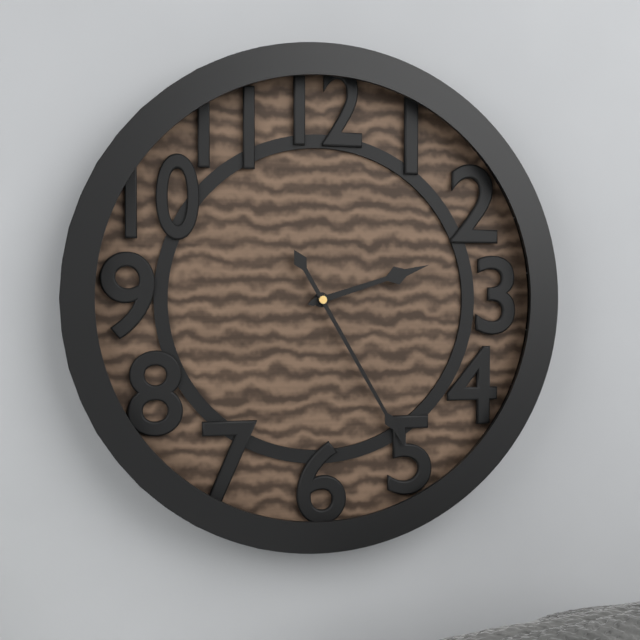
2:25
